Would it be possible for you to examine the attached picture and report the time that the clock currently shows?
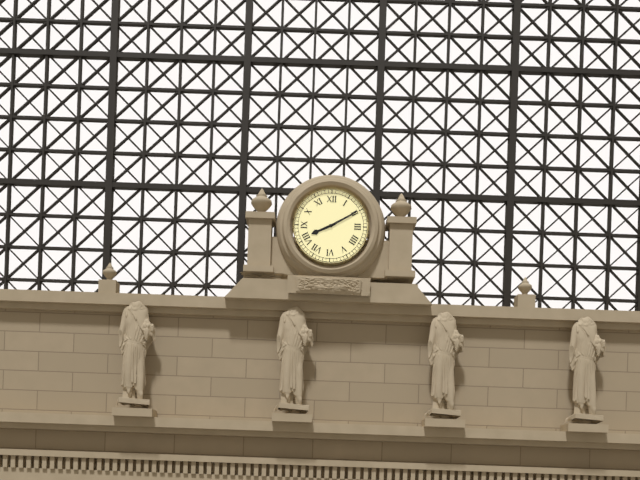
8:10
